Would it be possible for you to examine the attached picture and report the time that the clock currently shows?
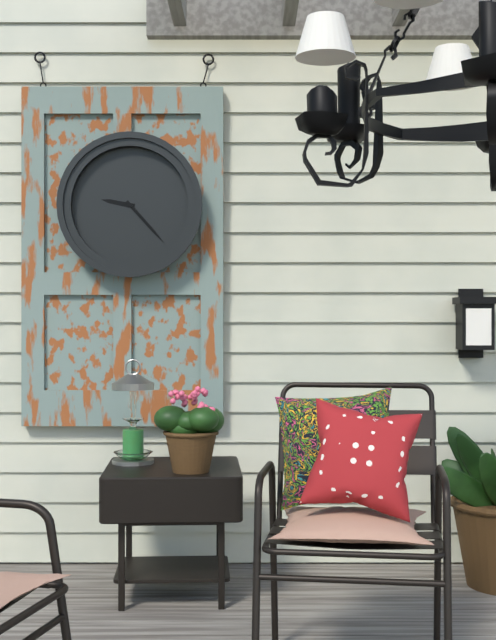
9:23
